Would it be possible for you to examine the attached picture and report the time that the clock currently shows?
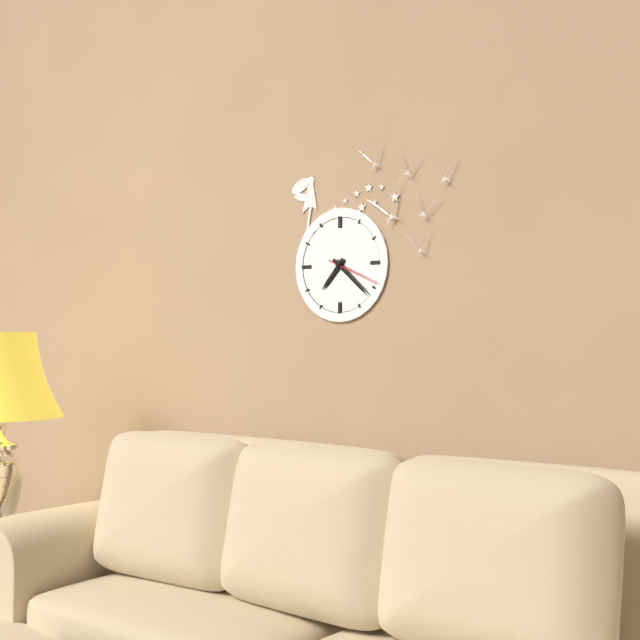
7:22:19
